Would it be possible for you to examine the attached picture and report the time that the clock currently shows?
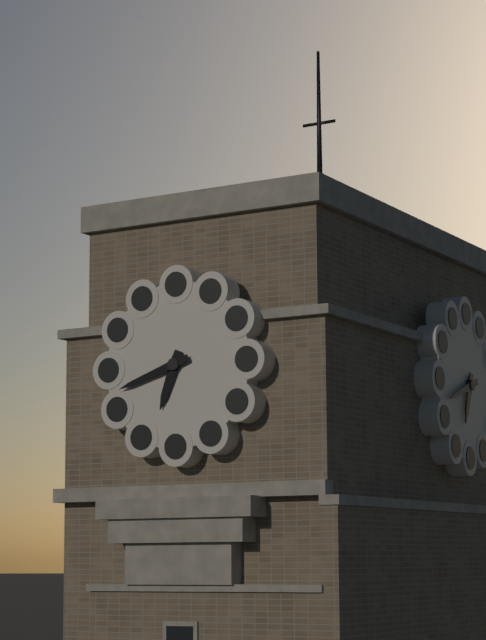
6:42
